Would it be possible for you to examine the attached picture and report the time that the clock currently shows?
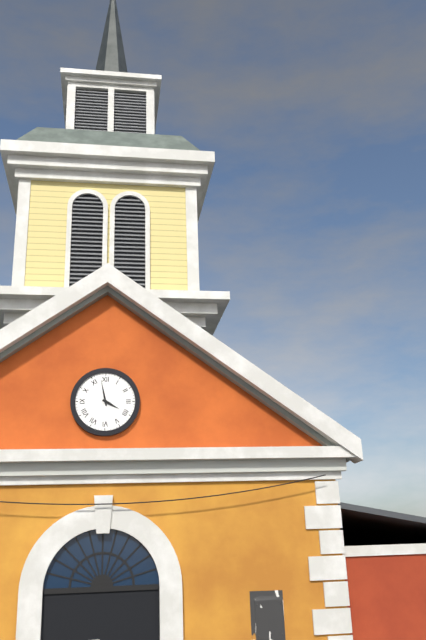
3:58
